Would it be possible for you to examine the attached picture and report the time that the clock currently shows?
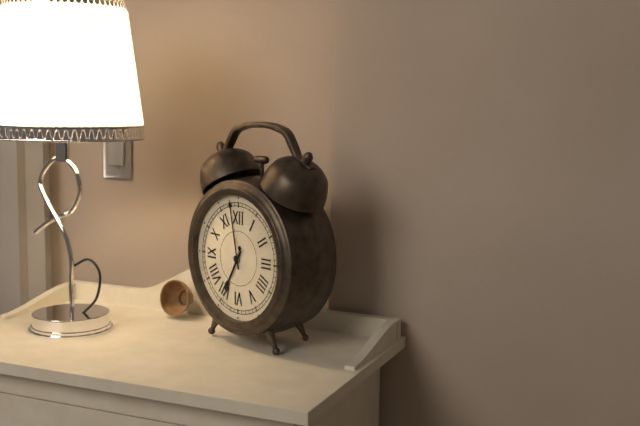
6:58:34
